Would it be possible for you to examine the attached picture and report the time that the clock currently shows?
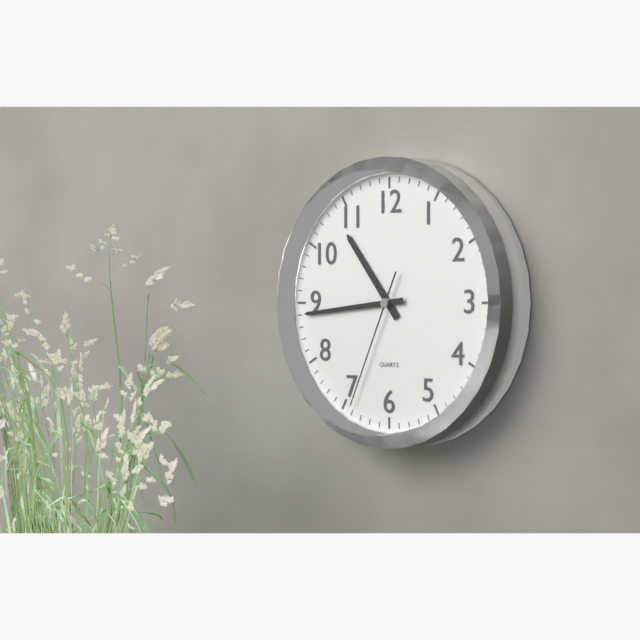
10:44:34
